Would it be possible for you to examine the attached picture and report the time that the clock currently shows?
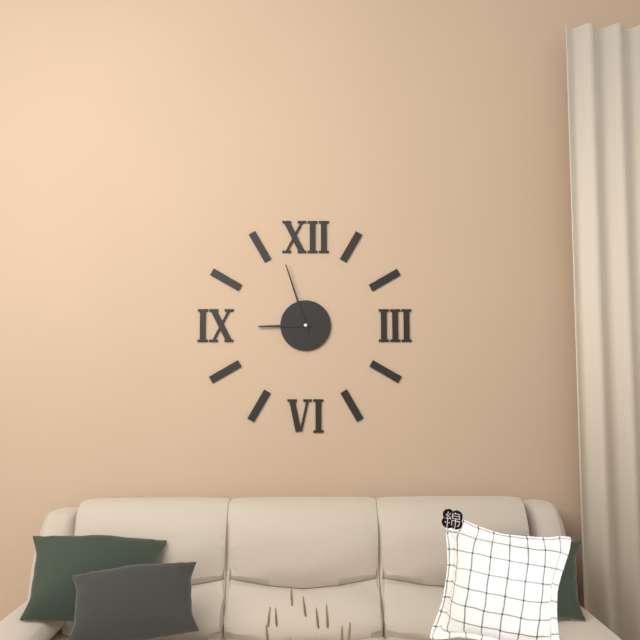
8:57
